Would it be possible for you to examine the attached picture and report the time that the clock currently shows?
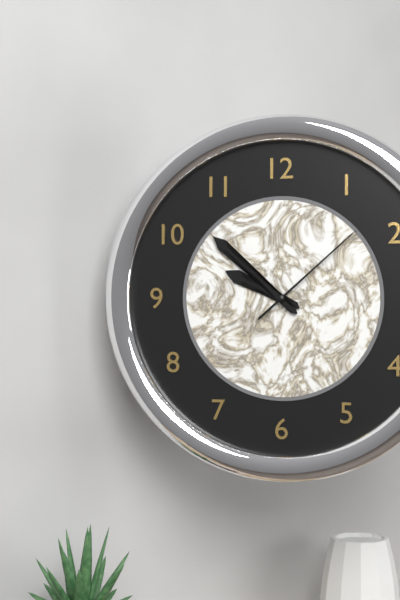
9:52:08
